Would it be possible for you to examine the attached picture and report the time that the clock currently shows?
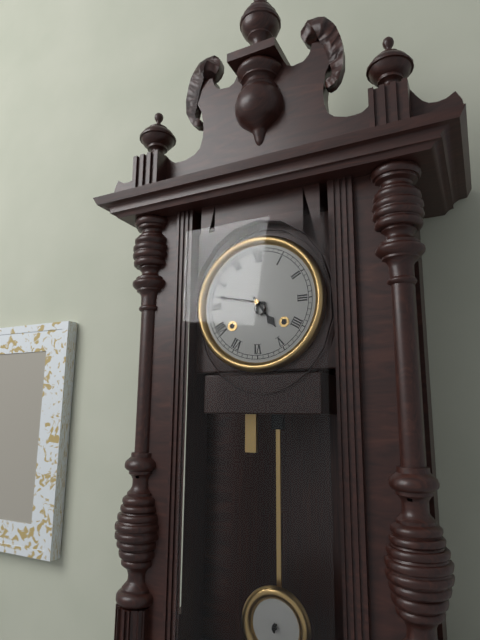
4:47
